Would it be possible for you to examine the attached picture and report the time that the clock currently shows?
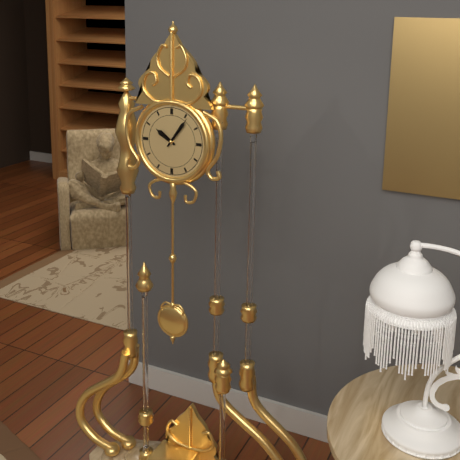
10:06
